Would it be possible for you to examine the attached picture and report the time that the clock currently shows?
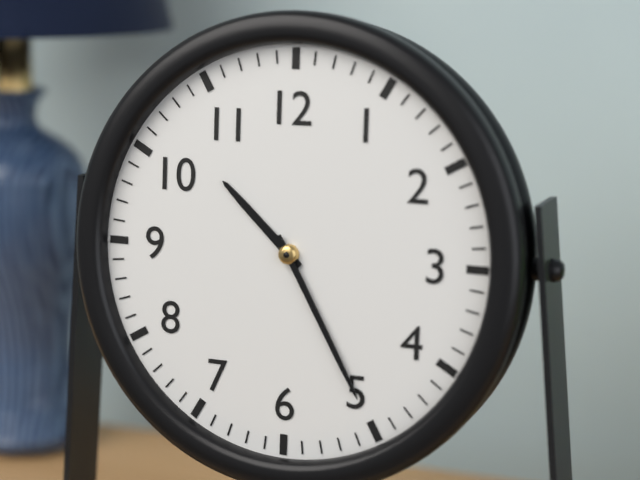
10:25
